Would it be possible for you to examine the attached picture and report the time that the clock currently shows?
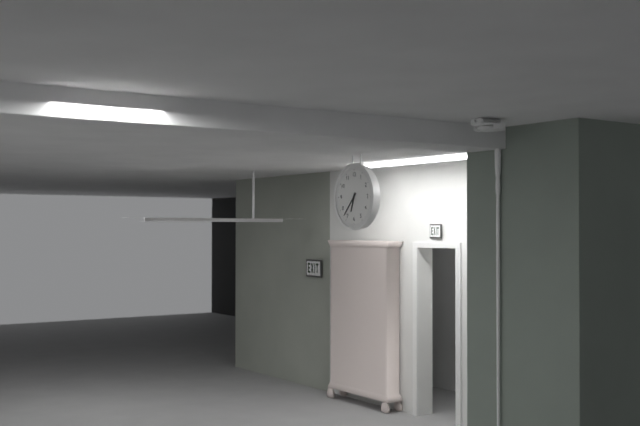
6:37
